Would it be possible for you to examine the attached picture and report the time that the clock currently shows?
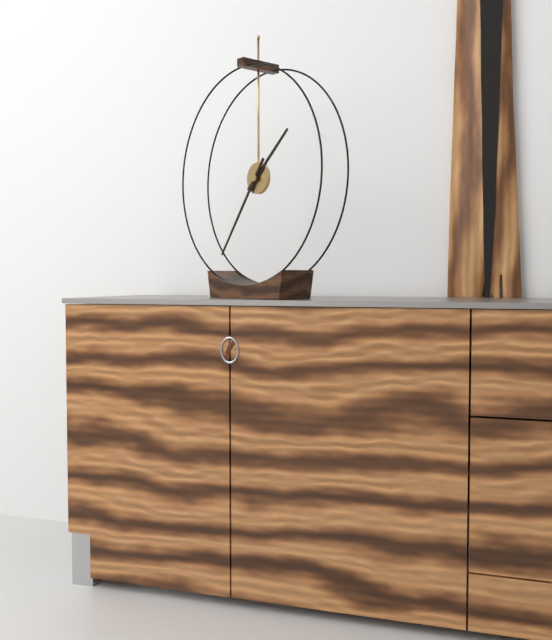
1:36
